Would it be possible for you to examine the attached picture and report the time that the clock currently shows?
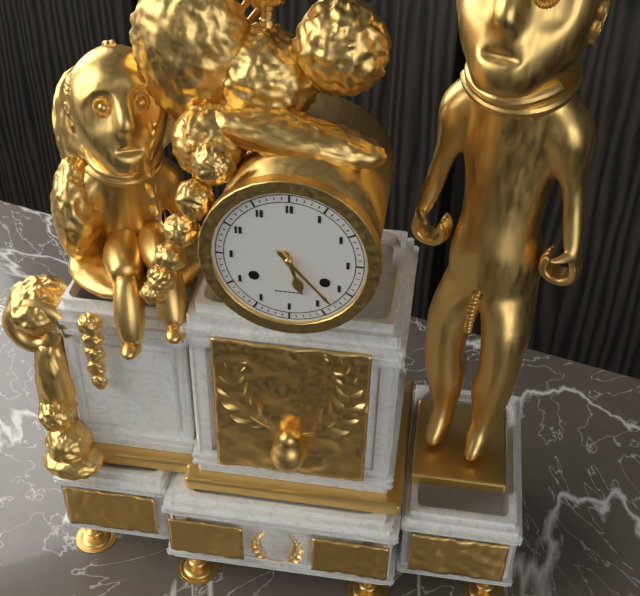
5:23
